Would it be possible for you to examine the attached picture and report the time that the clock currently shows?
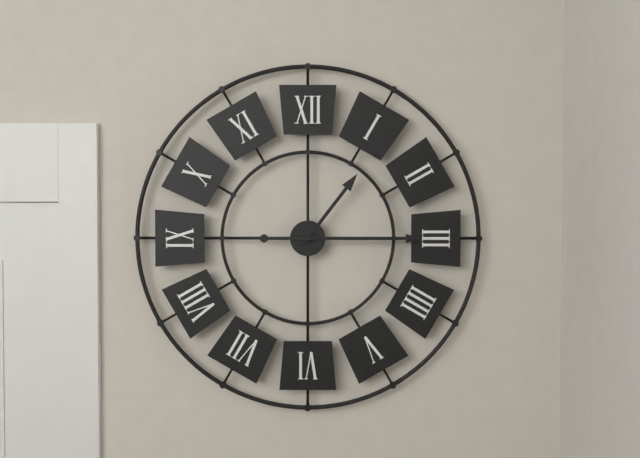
1:15
